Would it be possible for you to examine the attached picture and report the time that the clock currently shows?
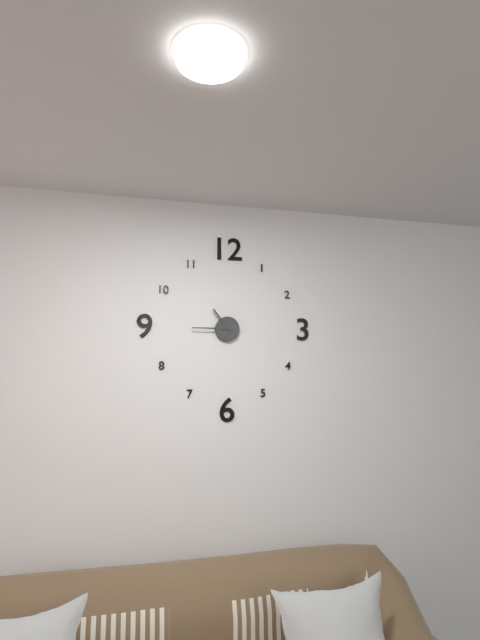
10:45
